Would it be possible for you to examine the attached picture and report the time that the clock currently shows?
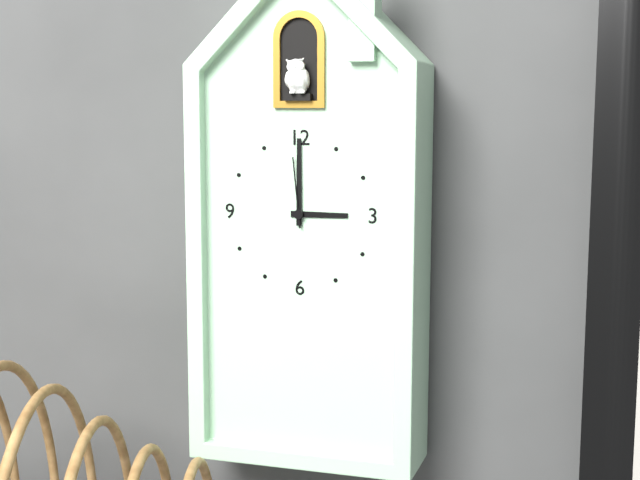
3:00:59
